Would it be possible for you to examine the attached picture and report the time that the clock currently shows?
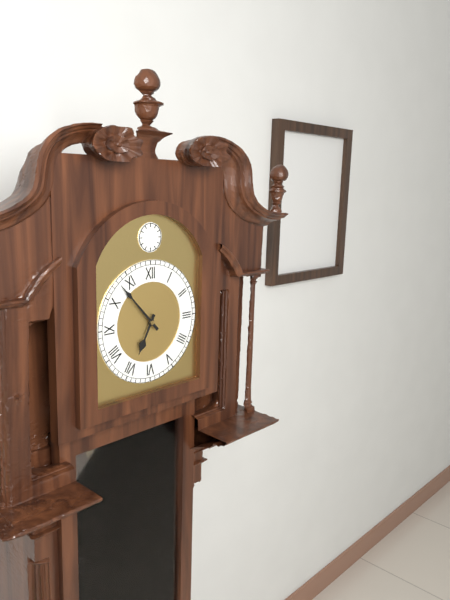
6:53
